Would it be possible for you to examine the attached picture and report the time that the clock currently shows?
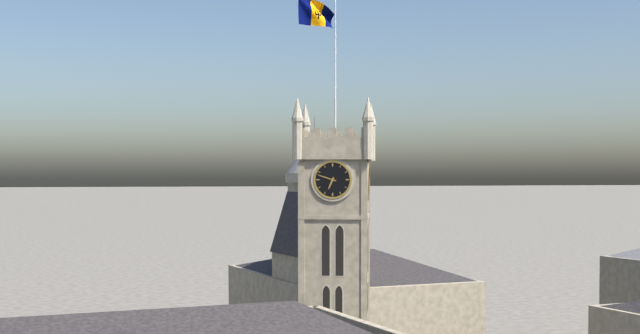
6:48
